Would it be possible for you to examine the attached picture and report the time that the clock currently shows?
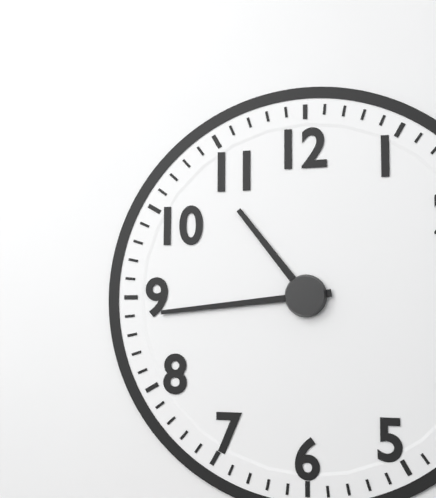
10:44
